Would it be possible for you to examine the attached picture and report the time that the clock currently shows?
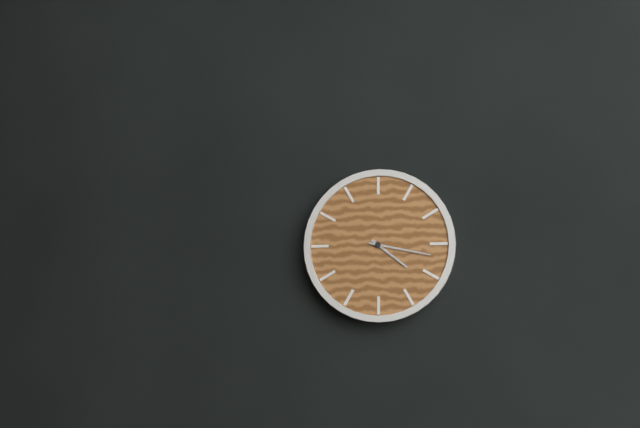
4:17
